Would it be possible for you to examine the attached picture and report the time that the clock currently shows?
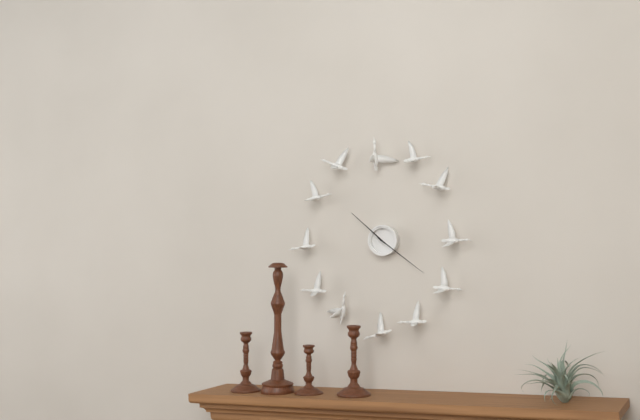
10:21
